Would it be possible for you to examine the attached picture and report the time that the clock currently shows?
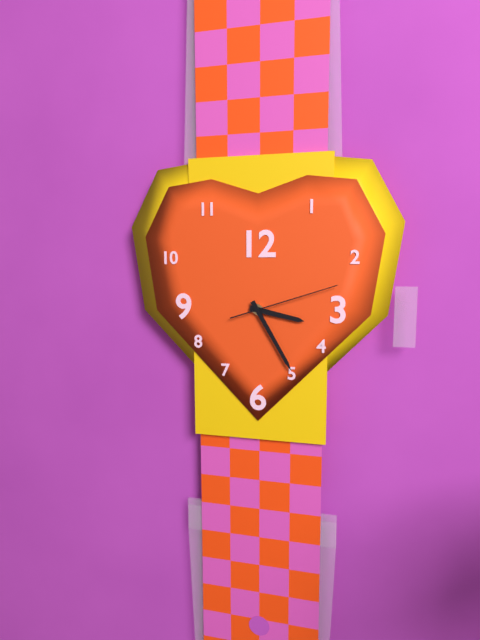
3:25:12
